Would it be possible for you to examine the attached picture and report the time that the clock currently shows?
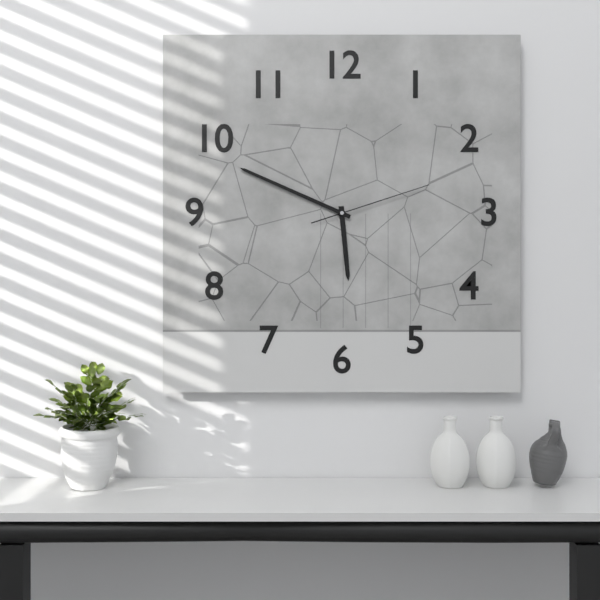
5:49:12
